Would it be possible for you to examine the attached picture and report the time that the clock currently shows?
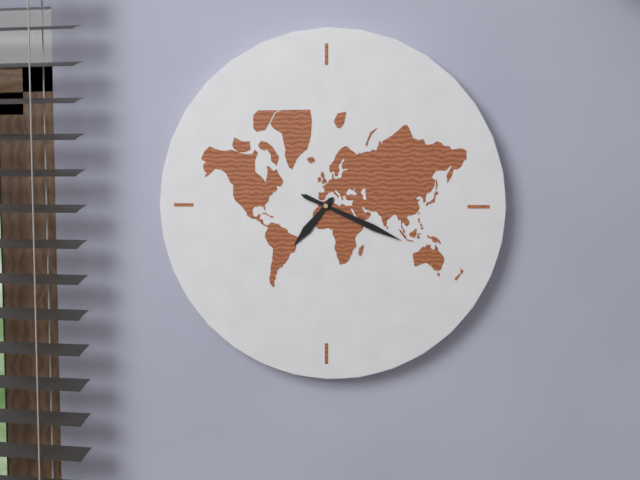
7:19
